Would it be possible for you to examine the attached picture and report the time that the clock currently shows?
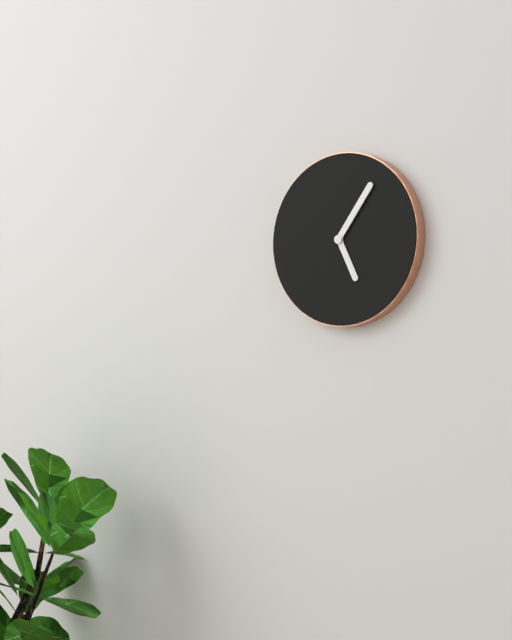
5:06
